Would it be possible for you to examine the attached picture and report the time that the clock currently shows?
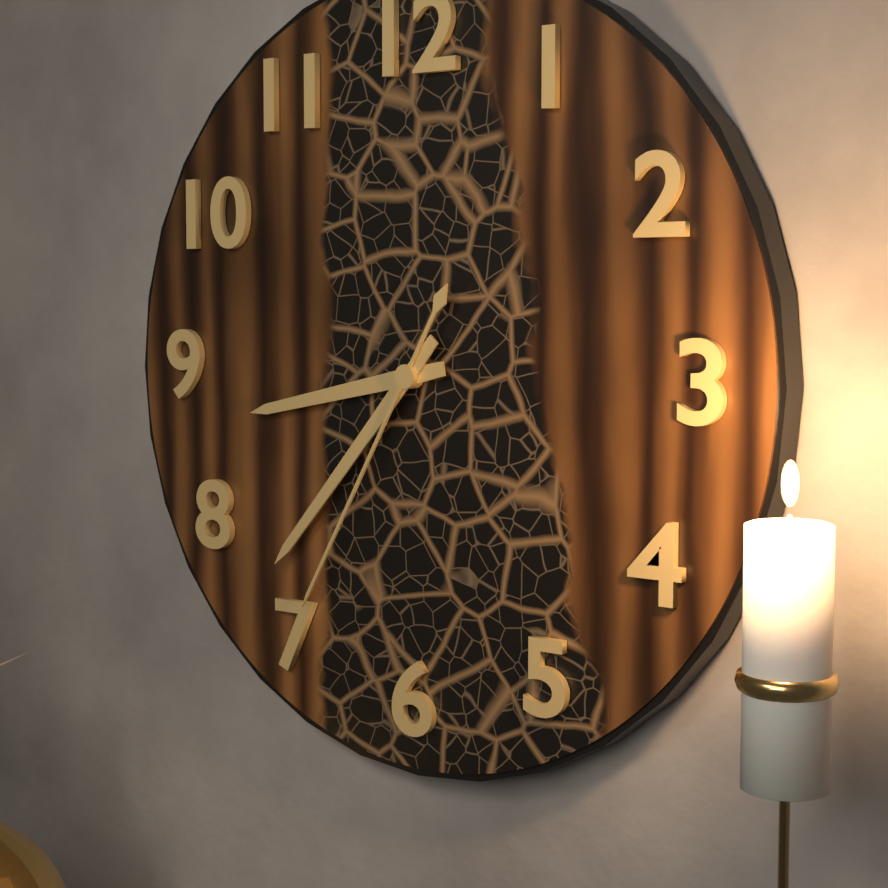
8:37:35
